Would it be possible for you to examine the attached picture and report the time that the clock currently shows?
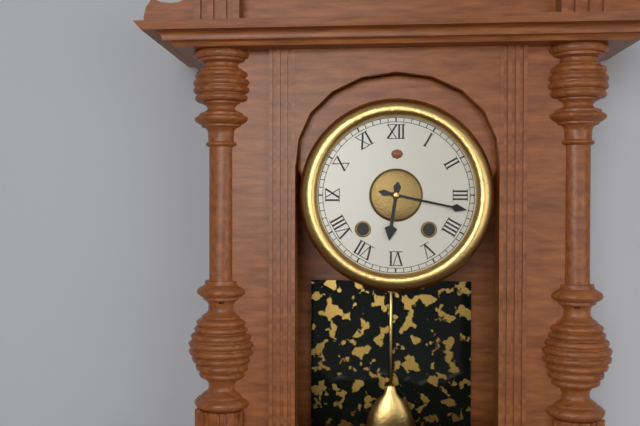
6:17
